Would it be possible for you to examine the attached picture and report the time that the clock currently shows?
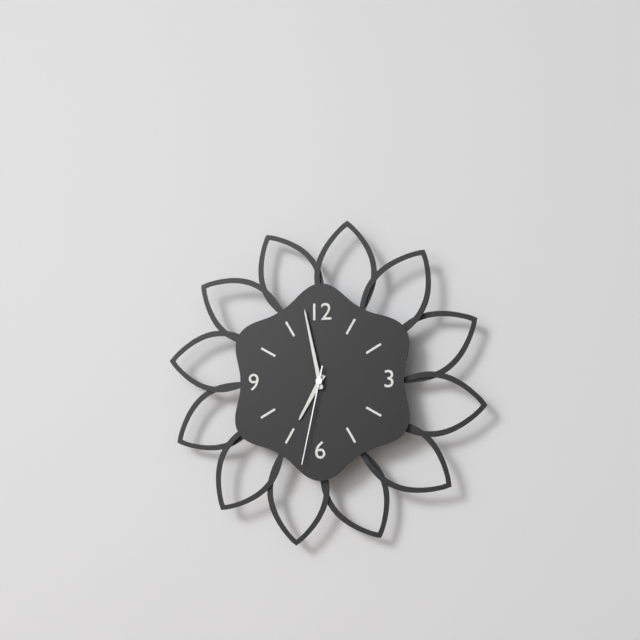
6:58:32
